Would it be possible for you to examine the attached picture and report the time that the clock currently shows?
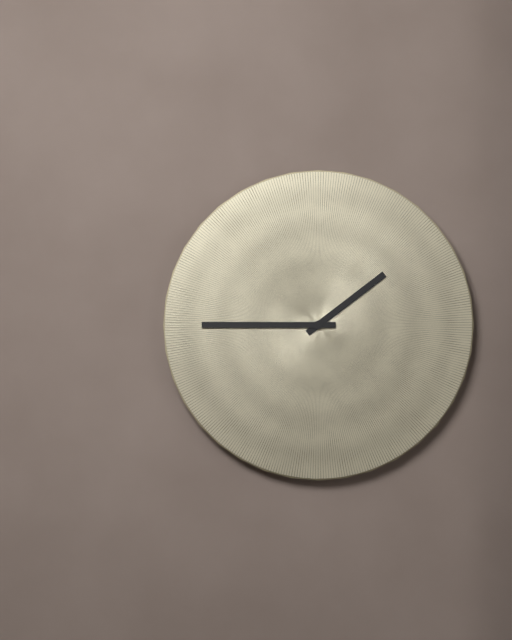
1:45
